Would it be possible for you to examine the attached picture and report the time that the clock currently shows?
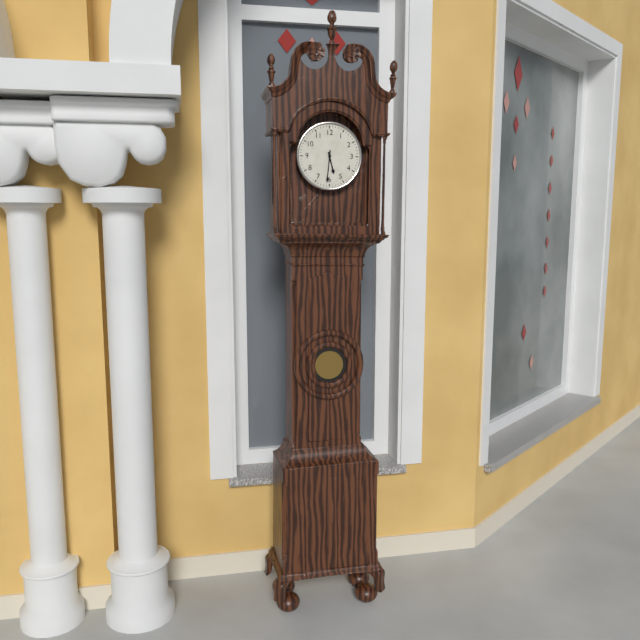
5:31
